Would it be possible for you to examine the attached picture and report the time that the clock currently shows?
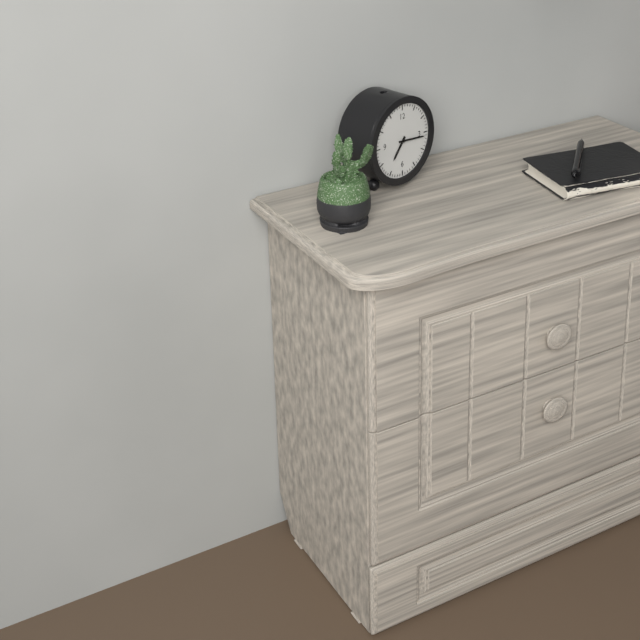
7:16
